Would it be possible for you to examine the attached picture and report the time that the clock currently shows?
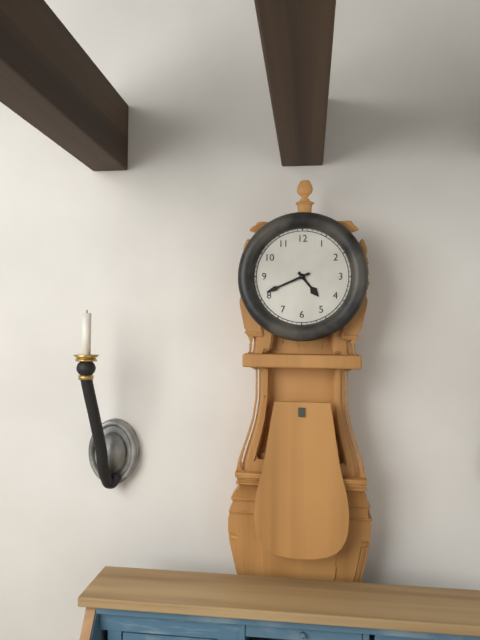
4:41
